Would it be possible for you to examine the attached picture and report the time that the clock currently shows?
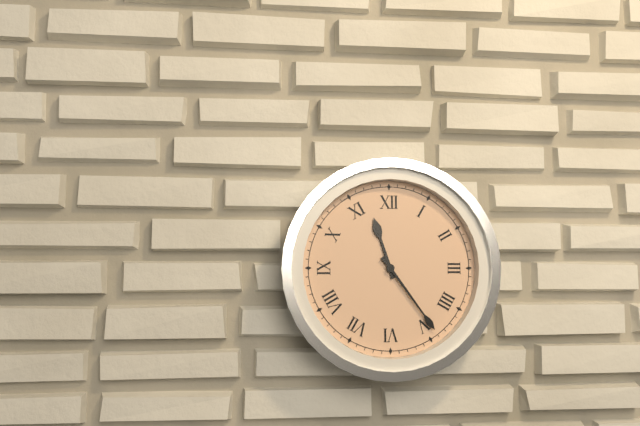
11:24
